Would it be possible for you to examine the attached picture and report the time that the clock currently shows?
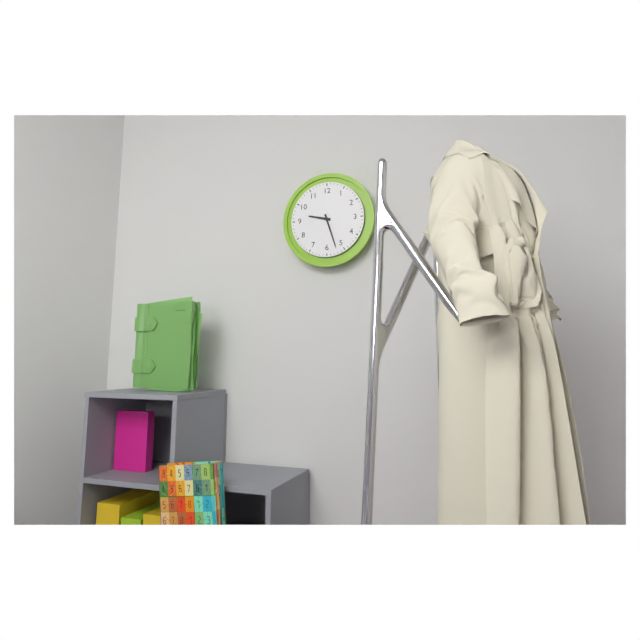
9:27
